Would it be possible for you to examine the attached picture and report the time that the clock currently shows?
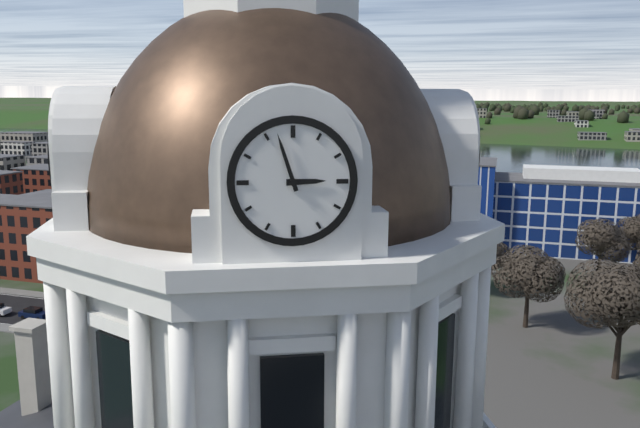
2:57
